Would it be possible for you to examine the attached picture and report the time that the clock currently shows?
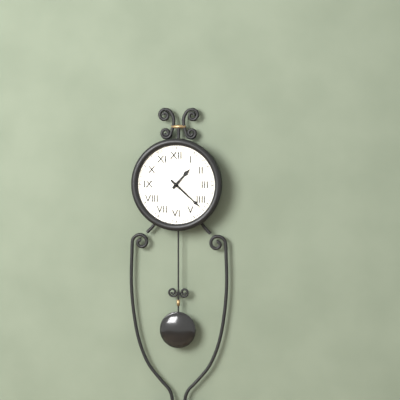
1:22
